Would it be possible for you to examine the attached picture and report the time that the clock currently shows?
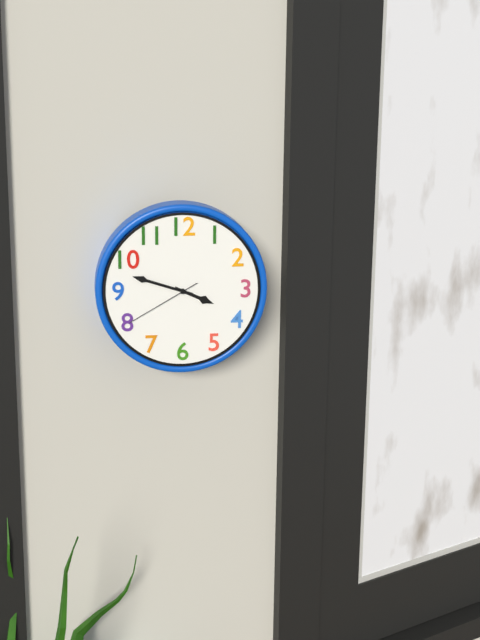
3:48:40
